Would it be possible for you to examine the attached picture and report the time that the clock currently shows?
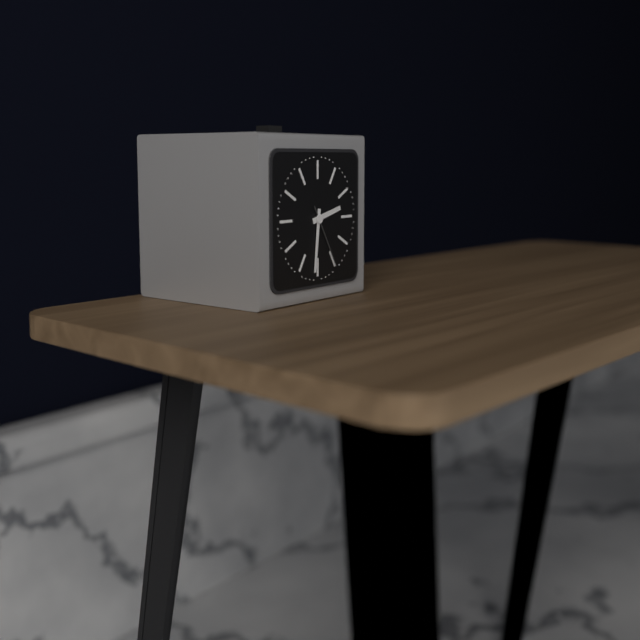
2:31:25
